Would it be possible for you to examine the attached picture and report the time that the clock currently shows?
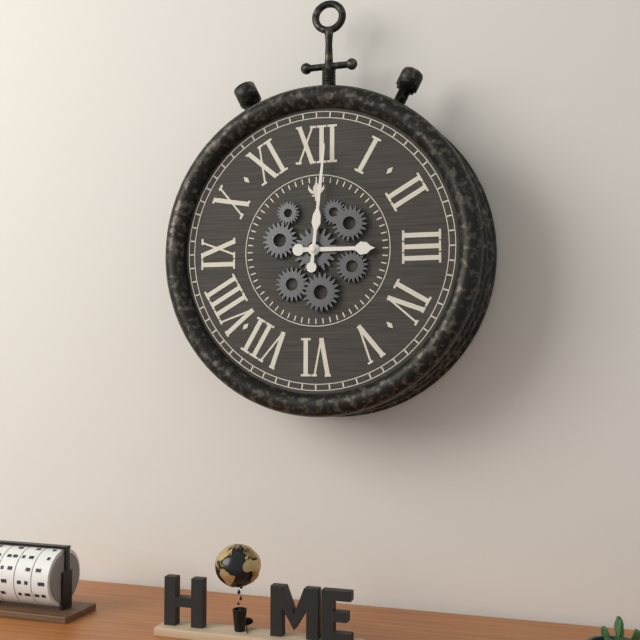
3:01
